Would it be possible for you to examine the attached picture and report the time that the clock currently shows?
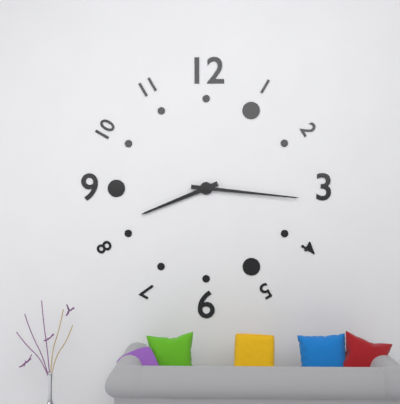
8:16
